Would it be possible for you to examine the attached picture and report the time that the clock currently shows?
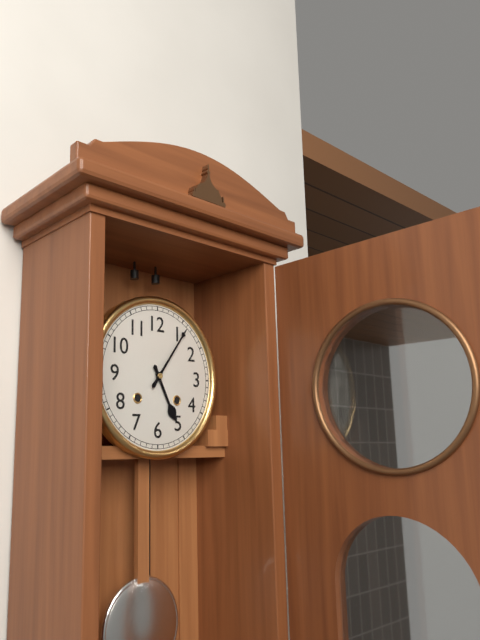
5:06
